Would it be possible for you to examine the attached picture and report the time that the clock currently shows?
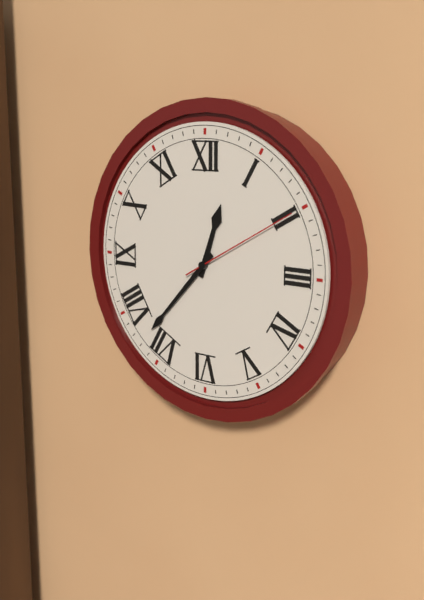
12:37:10
